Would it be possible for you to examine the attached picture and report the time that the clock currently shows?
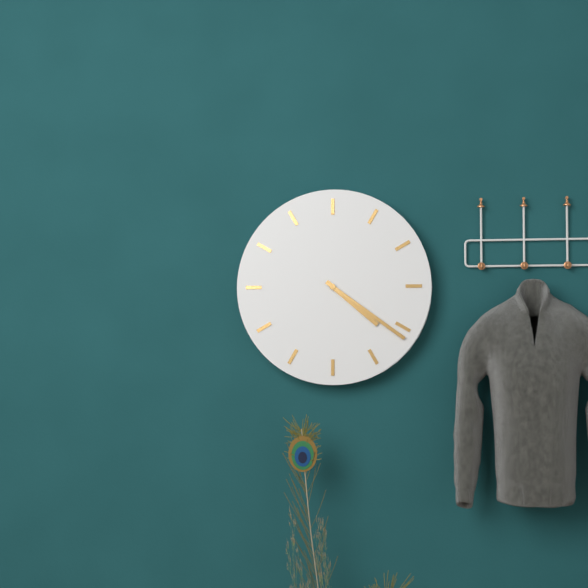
4:21
